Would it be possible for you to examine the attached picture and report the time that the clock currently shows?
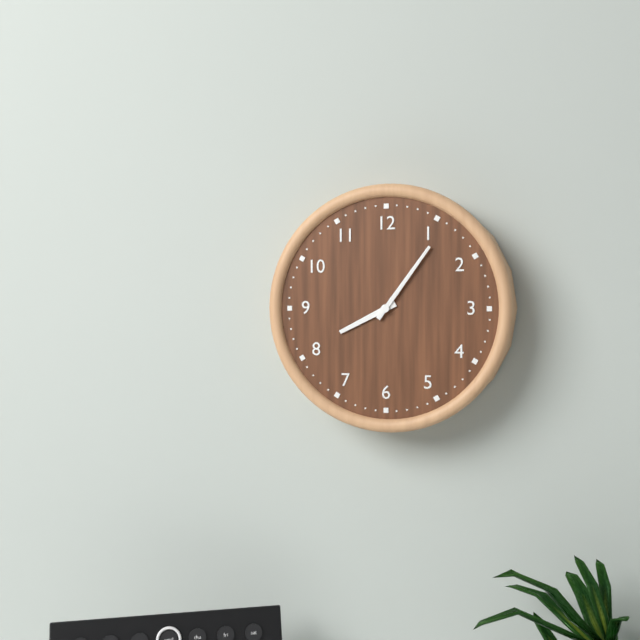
8:06
